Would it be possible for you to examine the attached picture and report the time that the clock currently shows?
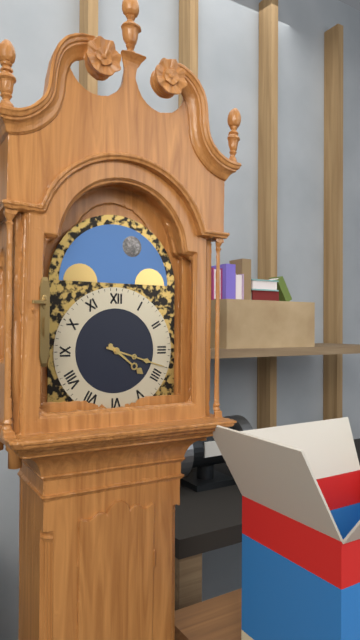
4:18
